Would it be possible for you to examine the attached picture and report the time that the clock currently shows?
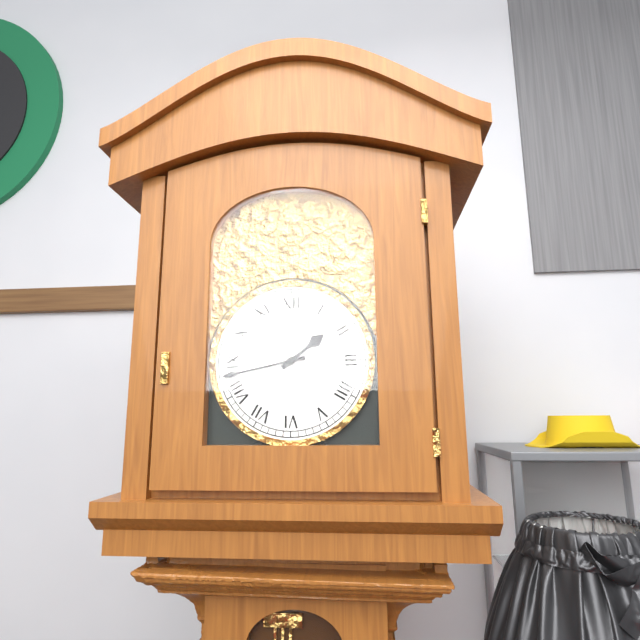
1:43
